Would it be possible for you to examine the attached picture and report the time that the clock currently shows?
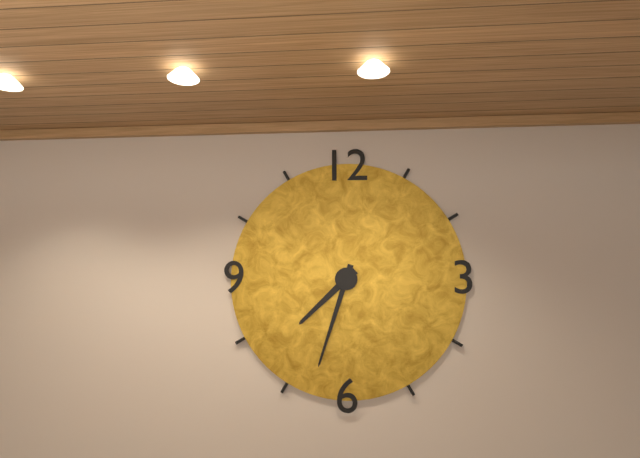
7:33
